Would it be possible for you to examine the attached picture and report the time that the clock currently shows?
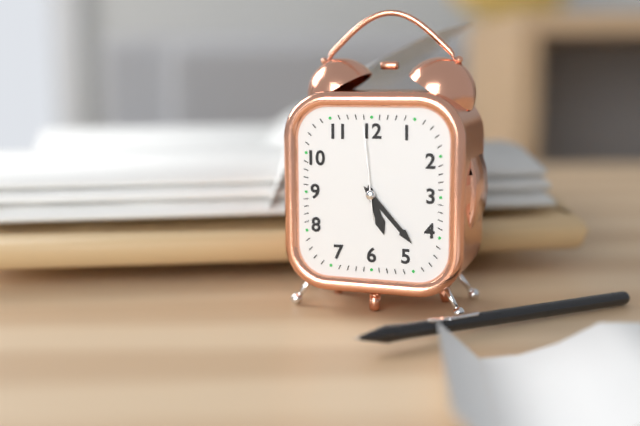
5:23:59
